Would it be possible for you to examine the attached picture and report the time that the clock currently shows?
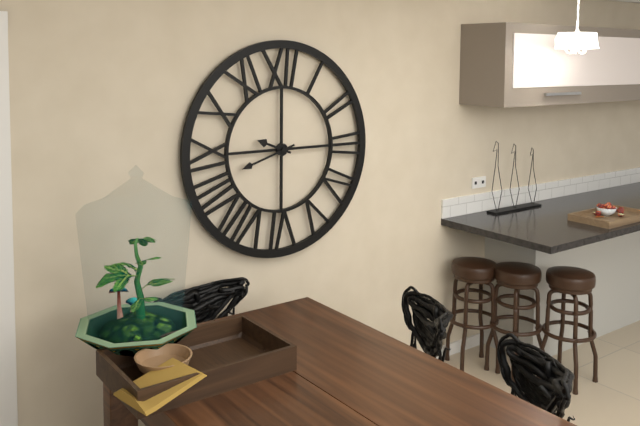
9:42
